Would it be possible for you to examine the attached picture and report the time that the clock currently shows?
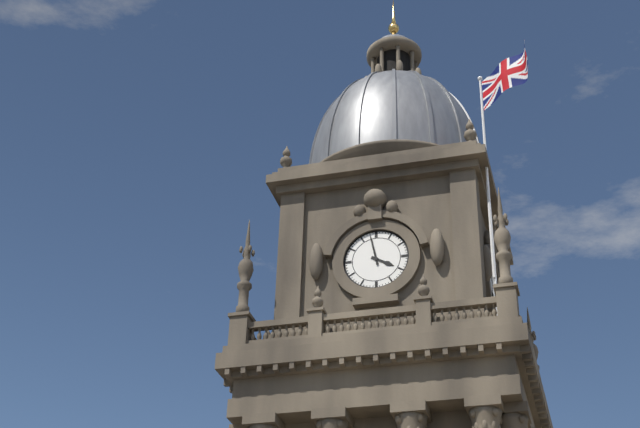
3:58
